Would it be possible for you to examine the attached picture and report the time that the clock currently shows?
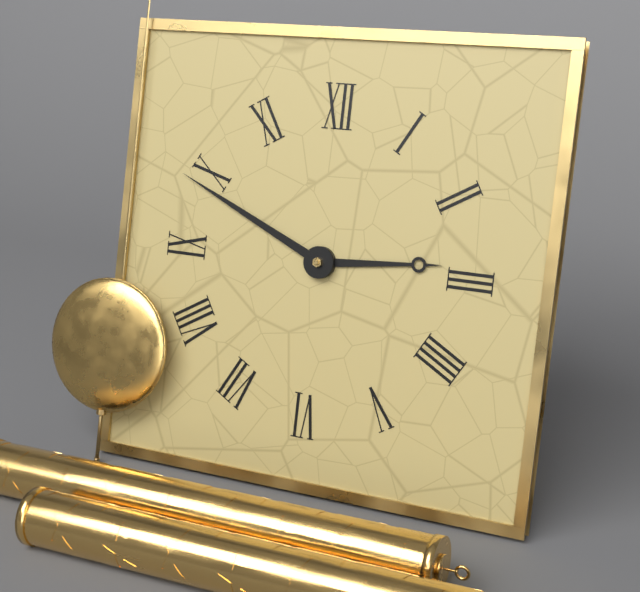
2:49
